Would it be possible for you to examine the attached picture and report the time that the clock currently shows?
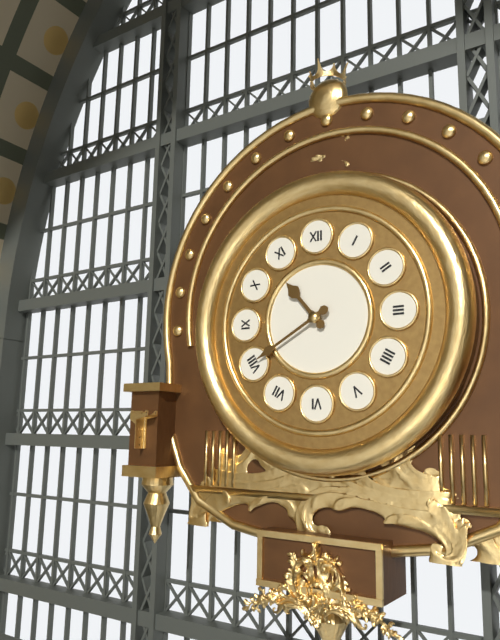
10:40
